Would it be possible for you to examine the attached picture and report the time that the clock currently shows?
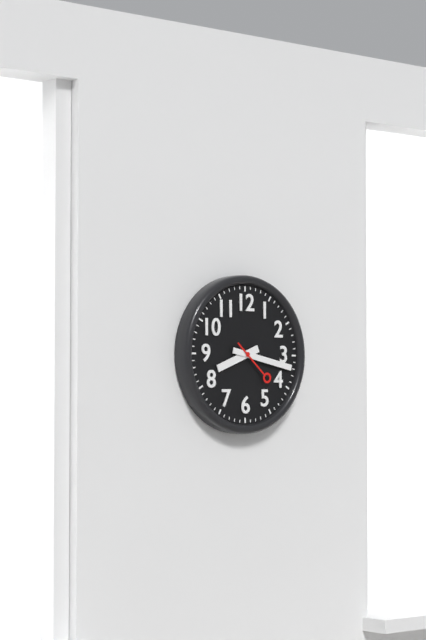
8:17:22
